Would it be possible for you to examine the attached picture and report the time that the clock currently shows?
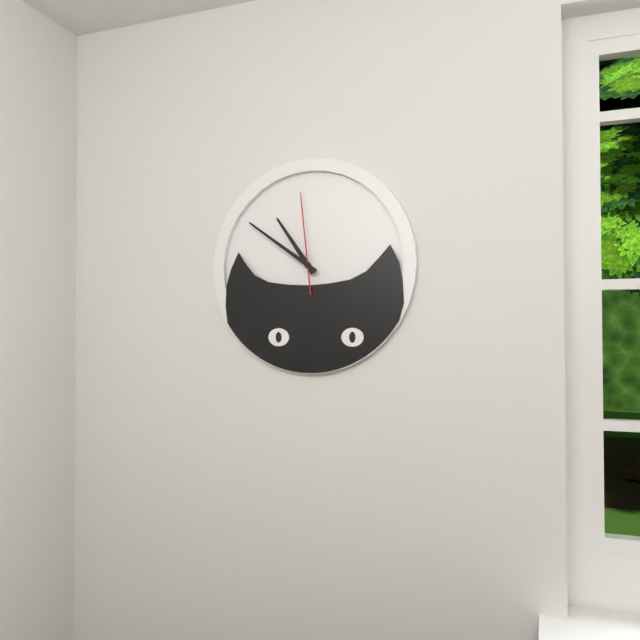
10:51:59
